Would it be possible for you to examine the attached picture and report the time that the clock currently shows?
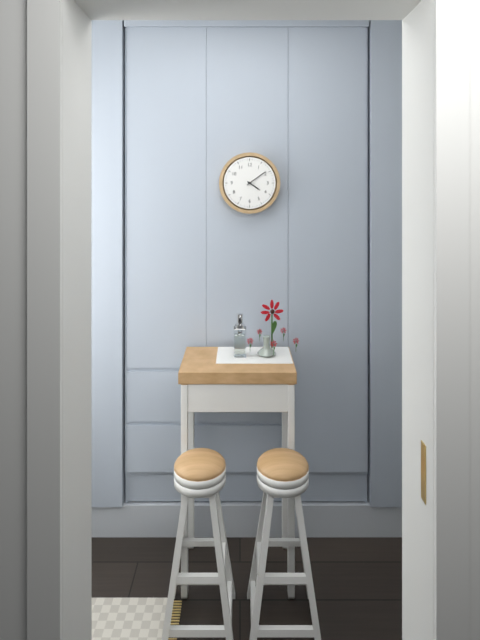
4:09
